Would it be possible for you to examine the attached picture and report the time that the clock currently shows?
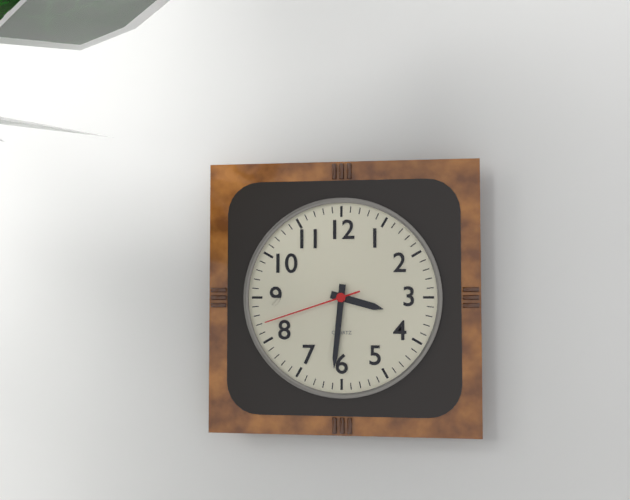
3:31:42
